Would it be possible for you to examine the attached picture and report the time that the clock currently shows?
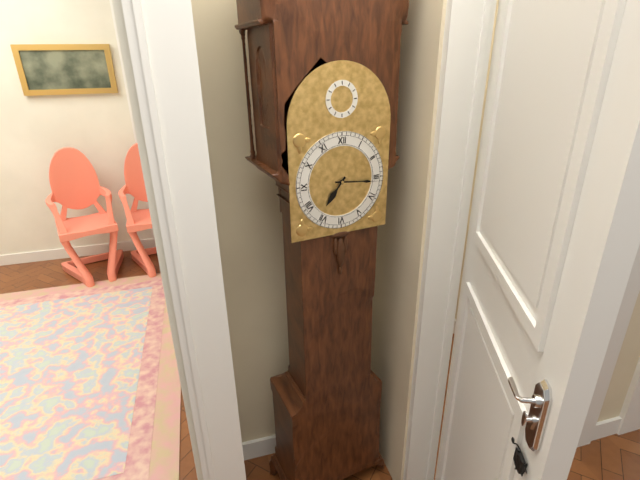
7:16
